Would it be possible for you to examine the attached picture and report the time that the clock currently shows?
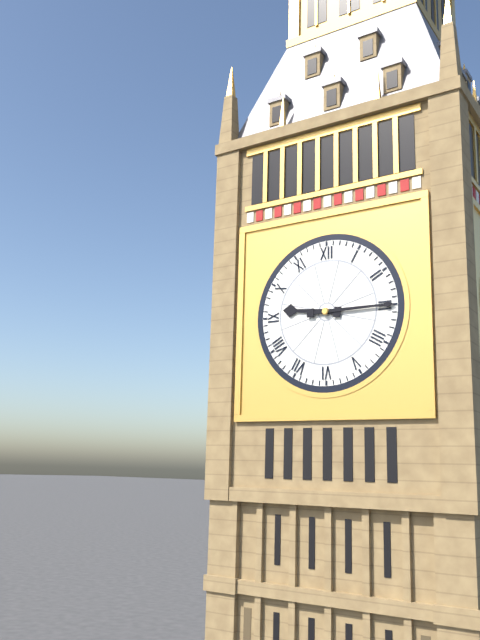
9:15
